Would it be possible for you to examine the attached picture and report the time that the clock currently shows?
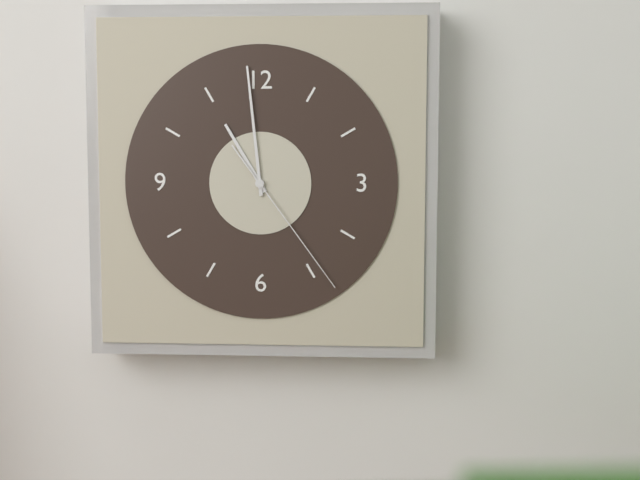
10:59:24
